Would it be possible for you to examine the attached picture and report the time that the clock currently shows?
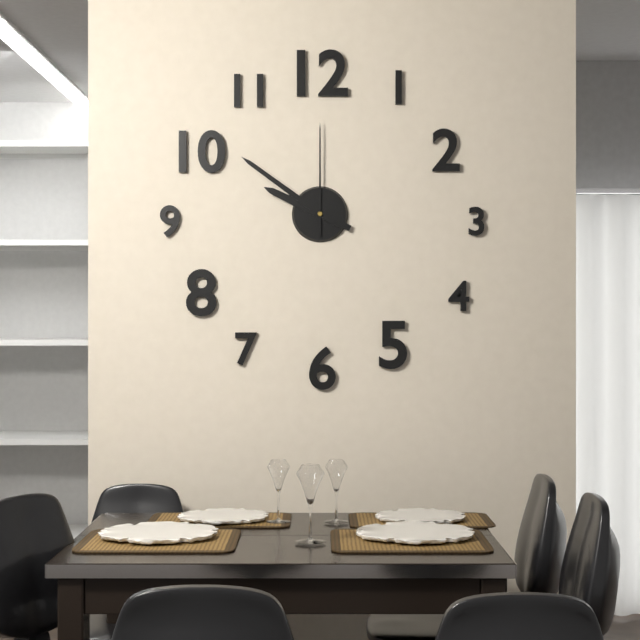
9:51:00
